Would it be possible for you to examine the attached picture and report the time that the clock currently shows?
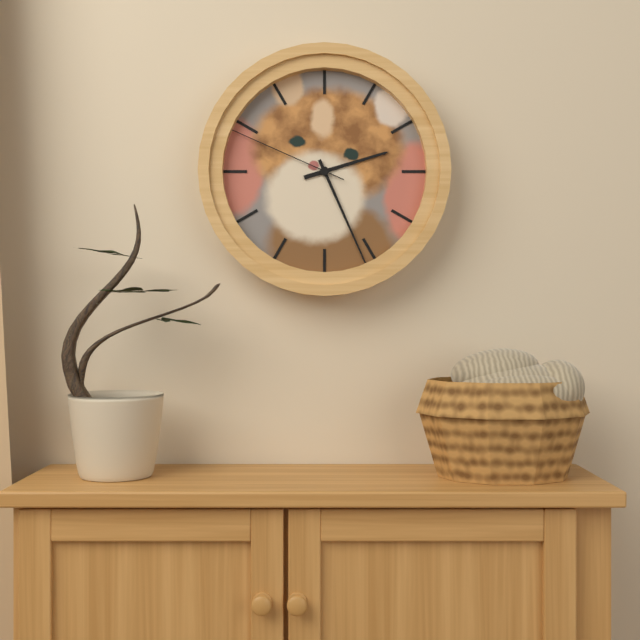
2:26:49
